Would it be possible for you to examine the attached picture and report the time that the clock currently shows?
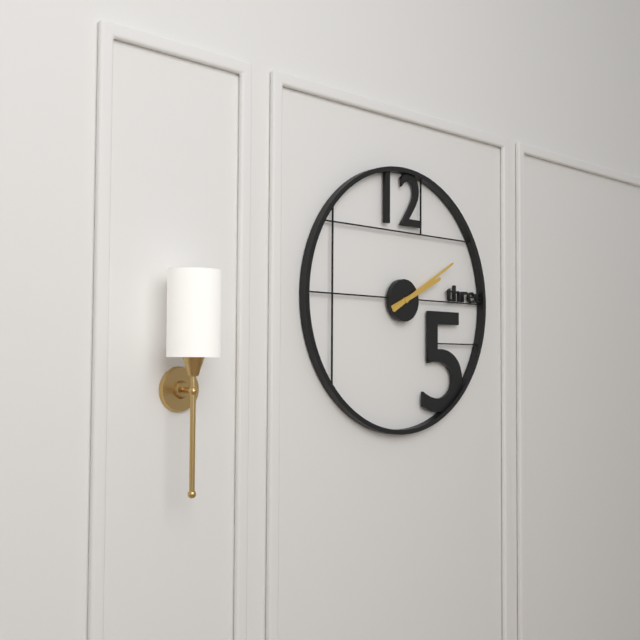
2:10
